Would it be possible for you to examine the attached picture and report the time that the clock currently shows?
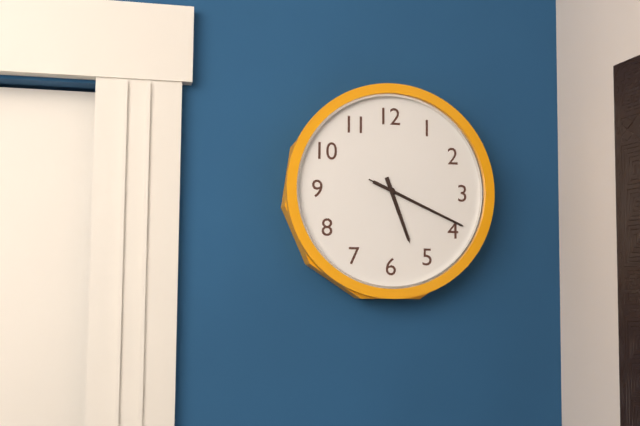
5:19:19
